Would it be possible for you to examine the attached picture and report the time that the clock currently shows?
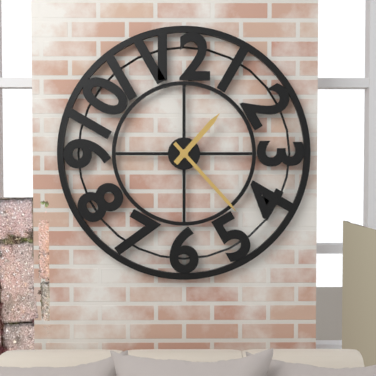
1:23
